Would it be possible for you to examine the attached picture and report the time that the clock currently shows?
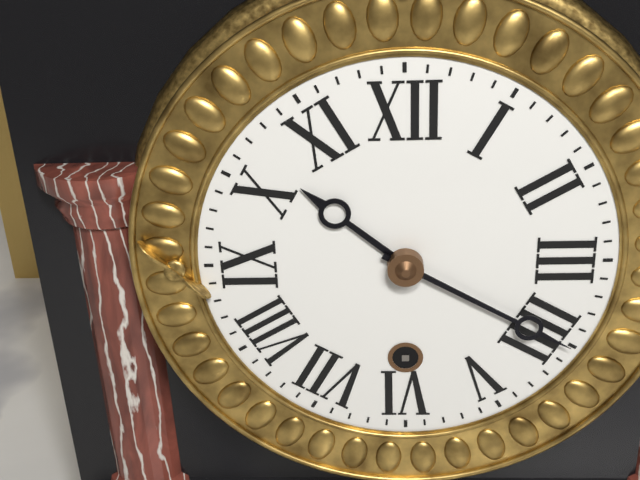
10:20
